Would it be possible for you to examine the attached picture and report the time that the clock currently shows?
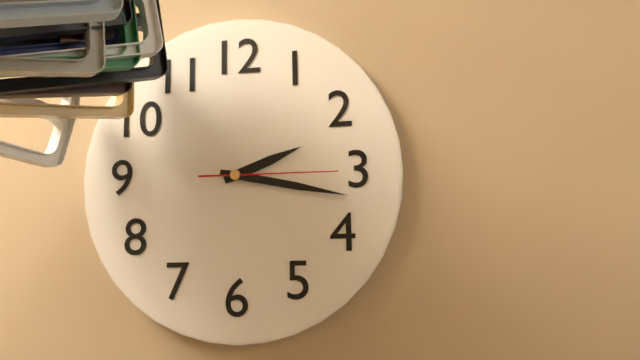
2:17:15
